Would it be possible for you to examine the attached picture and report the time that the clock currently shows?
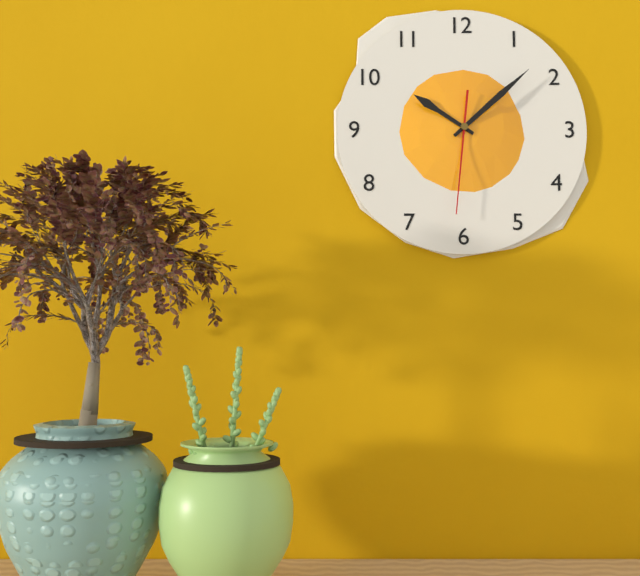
10:08:31
